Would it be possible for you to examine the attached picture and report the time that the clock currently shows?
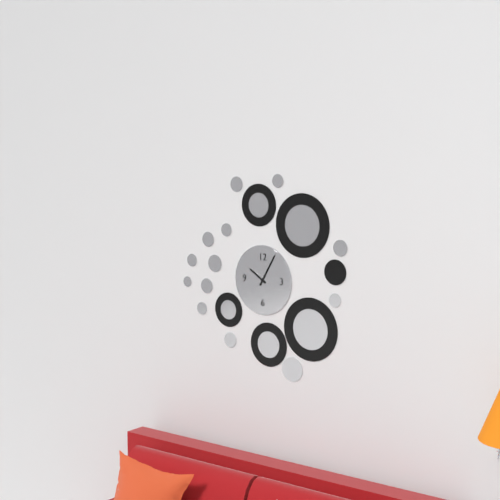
10:05
